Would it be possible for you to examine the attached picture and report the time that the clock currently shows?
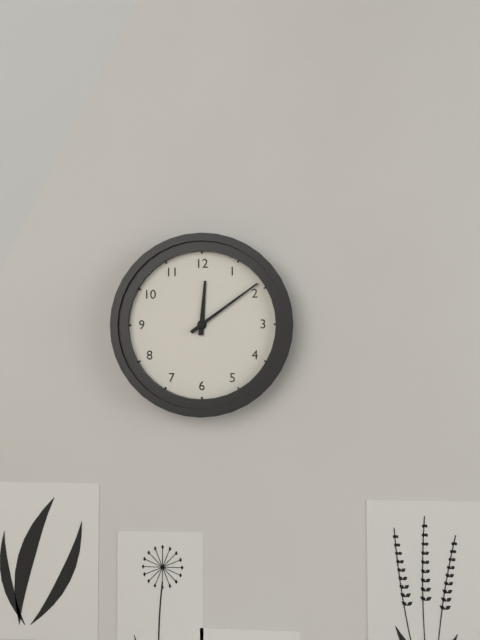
12:09
